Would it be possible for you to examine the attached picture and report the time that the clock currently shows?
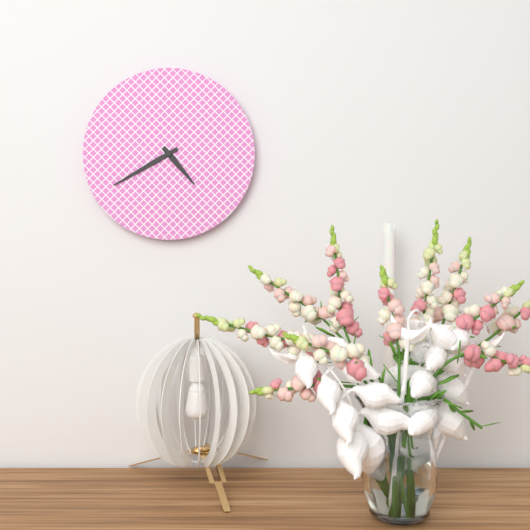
4:40
